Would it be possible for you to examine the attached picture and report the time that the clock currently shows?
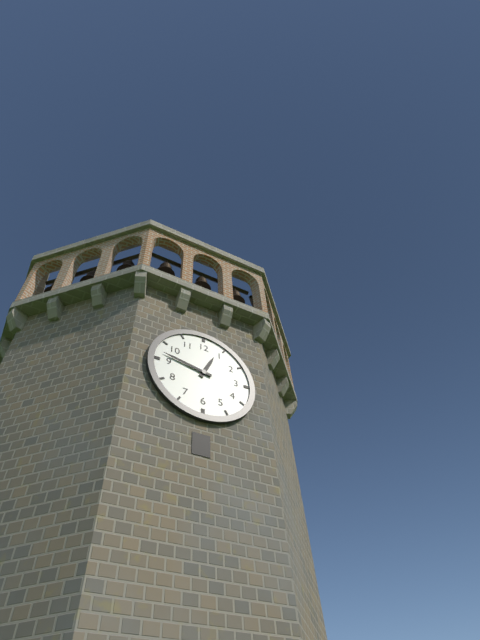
12:47
